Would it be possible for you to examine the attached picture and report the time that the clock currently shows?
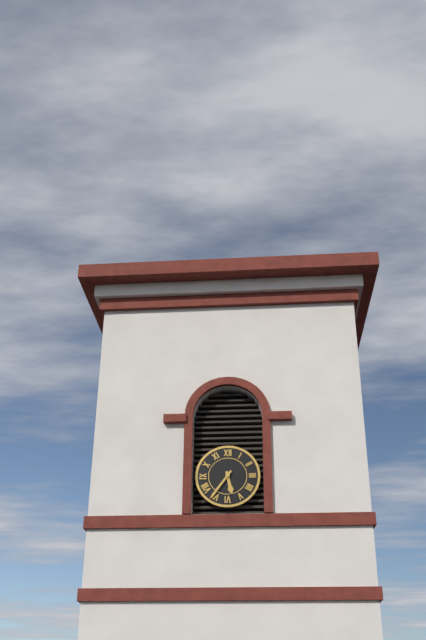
5:36
